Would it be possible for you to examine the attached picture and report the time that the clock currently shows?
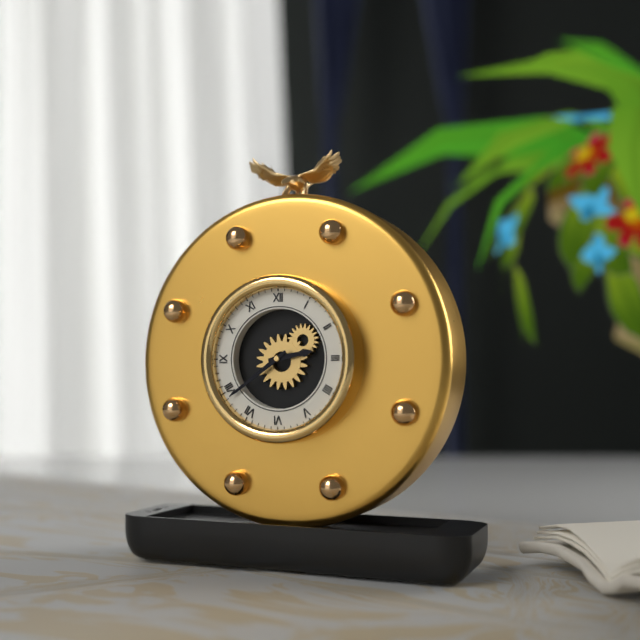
2:39
